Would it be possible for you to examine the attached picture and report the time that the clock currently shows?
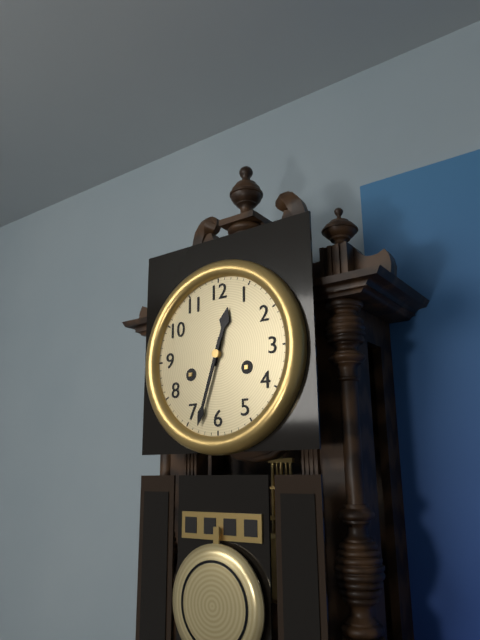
12:33
